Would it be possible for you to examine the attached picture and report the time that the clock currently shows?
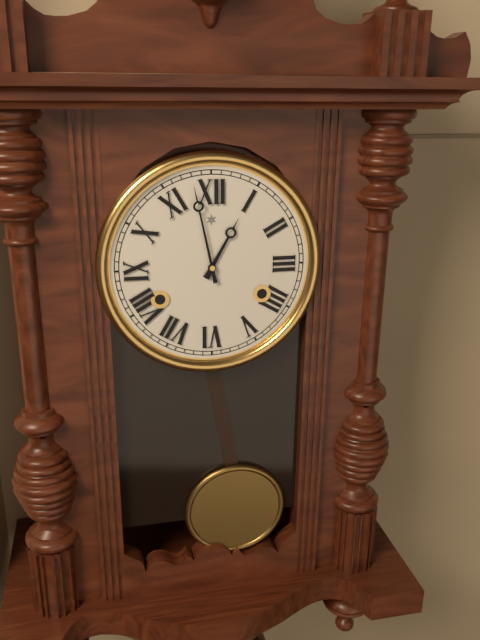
12:58
